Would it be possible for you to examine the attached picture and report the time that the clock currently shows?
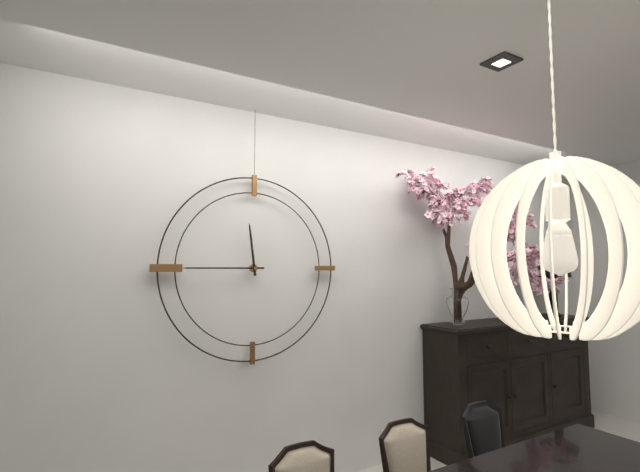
11:45
